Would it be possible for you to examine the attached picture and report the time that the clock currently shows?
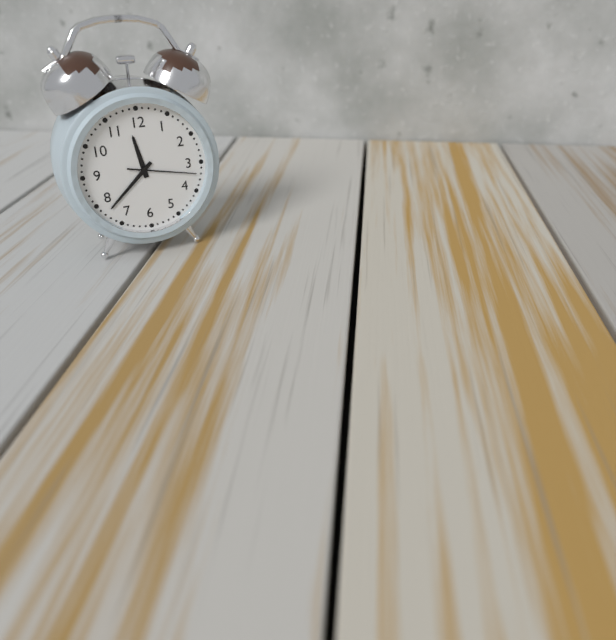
11:38:17
